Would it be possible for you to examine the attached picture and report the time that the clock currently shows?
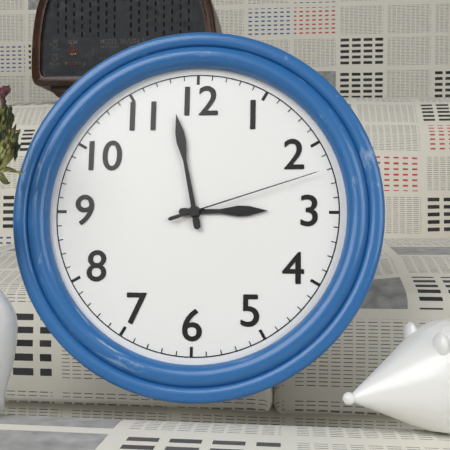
2:58:12
